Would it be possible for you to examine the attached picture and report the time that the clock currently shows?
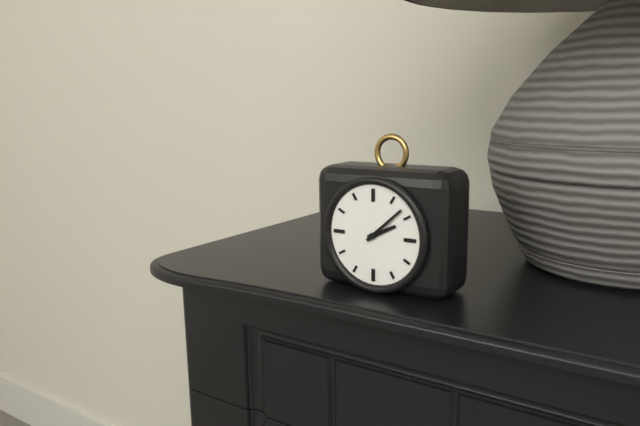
2:08
